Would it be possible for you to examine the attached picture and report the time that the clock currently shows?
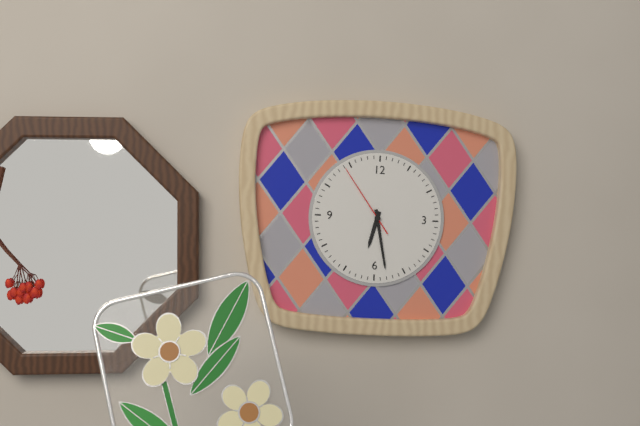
6:28:54
